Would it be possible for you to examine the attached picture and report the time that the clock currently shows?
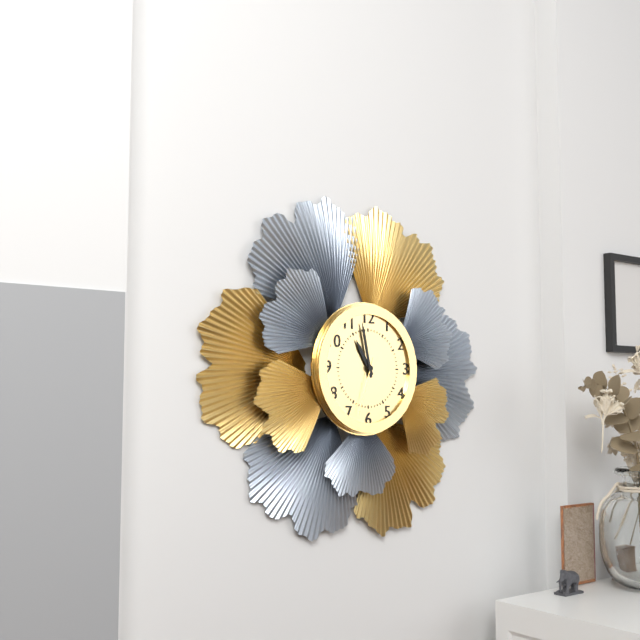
10:58:33
